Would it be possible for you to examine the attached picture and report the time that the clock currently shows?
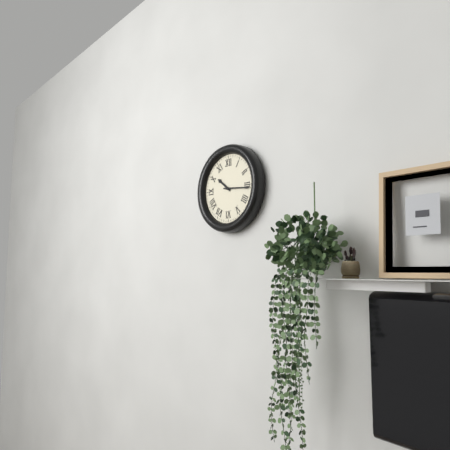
10:16
